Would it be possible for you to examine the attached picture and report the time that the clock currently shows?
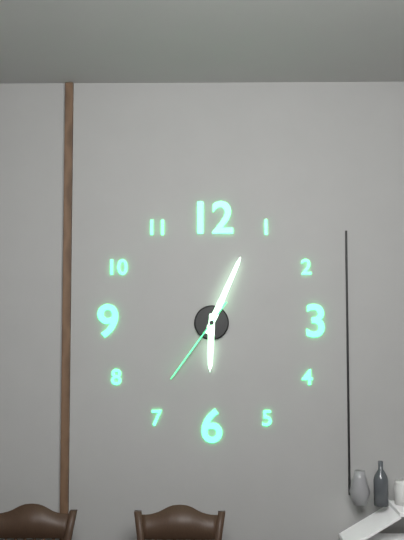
6:04:36
